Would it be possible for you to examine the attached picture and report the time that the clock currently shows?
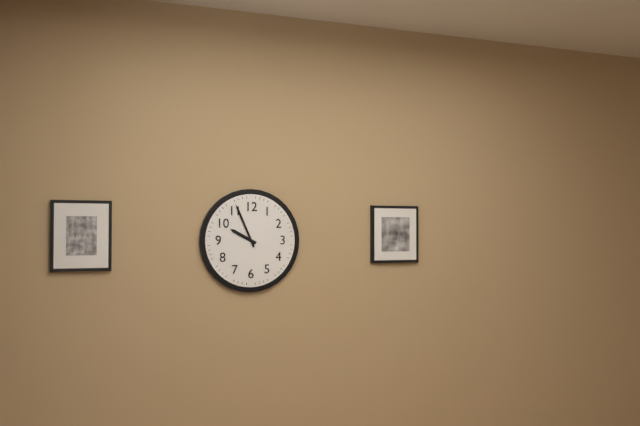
9:56
